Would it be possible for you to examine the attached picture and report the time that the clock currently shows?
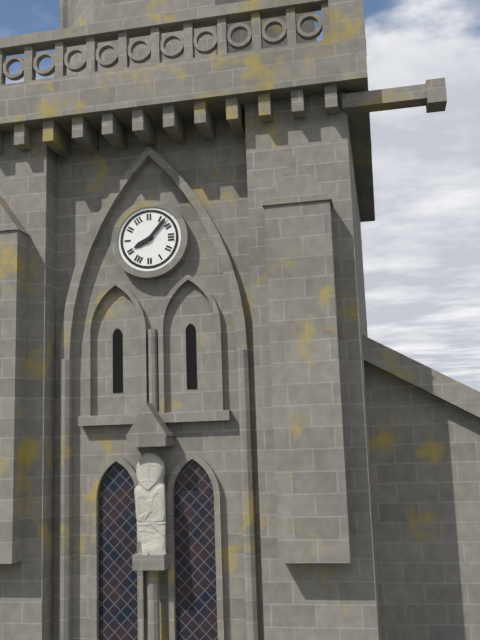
8:07
